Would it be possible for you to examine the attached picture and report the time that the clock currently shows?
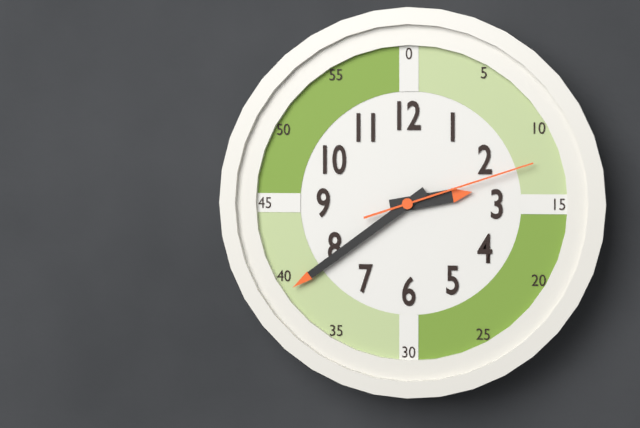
2:39:12
